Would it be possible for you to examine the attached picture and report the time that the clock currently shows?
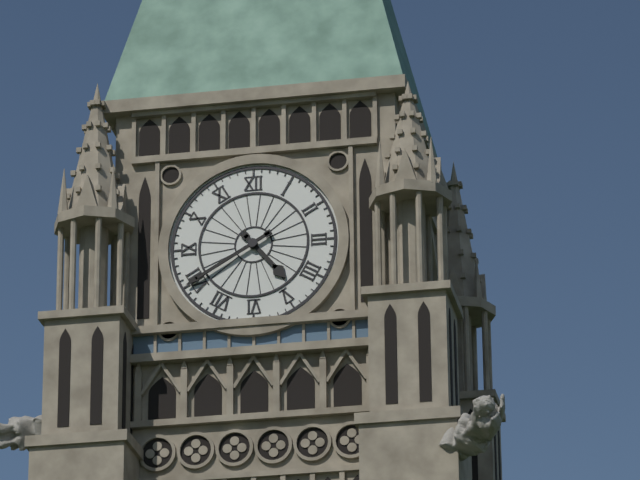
4:40
